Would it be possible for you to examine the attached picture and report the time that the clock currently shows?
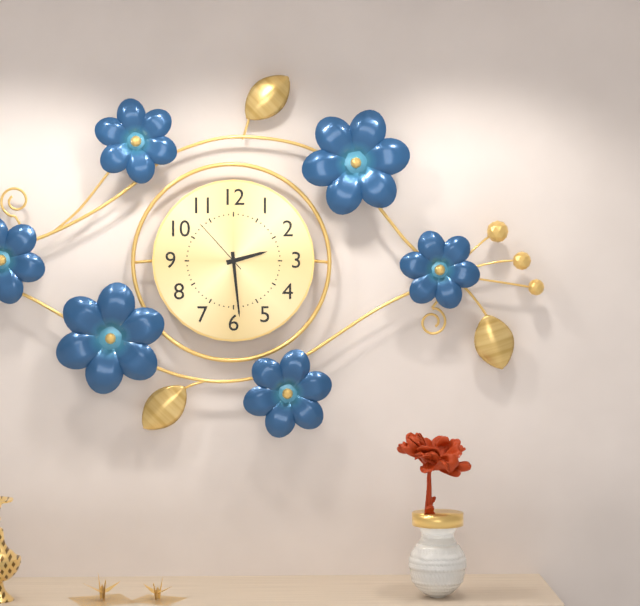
2:29:53
